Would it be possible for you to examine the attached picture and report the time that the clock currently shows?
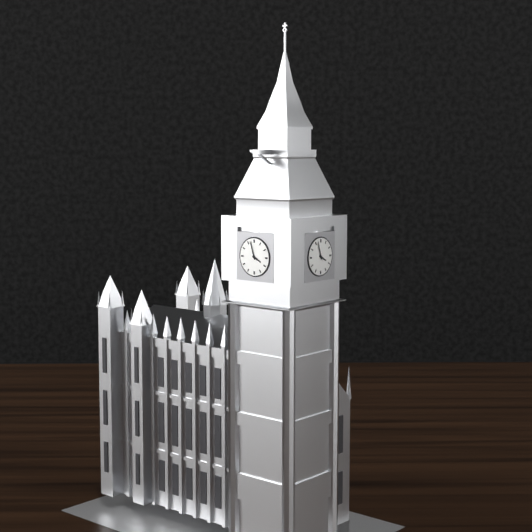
3:57
